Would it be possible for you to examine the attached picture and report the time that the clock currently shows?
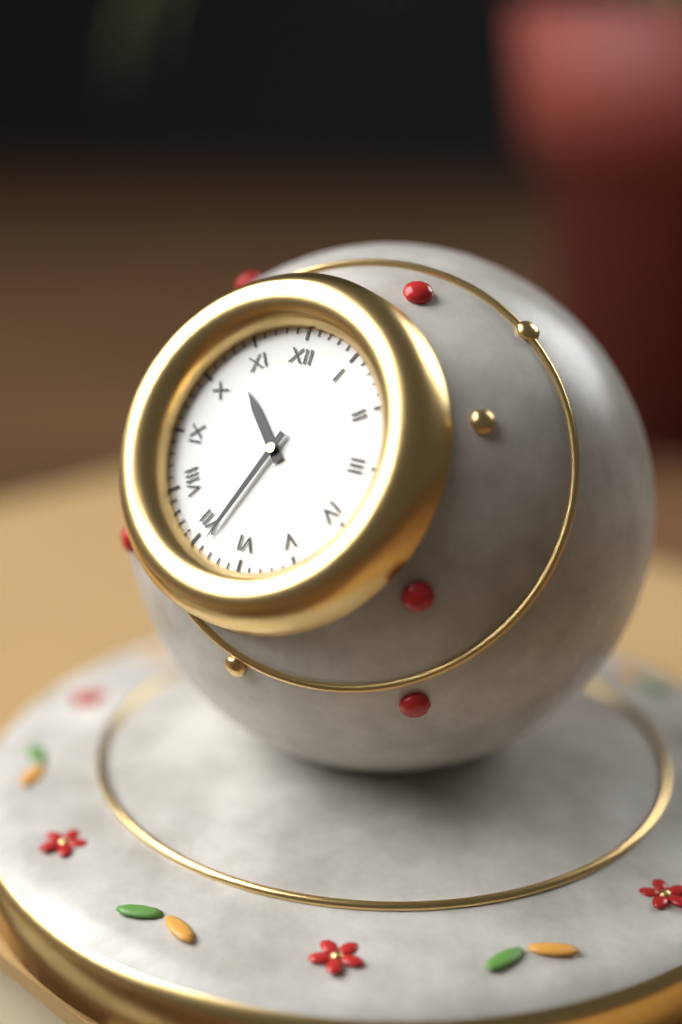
10:34
